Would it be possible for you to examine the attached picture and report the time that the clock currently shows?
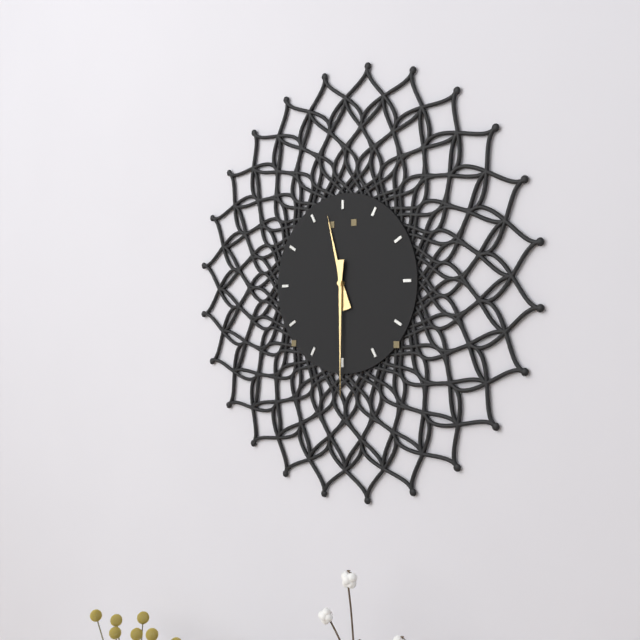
11:30
